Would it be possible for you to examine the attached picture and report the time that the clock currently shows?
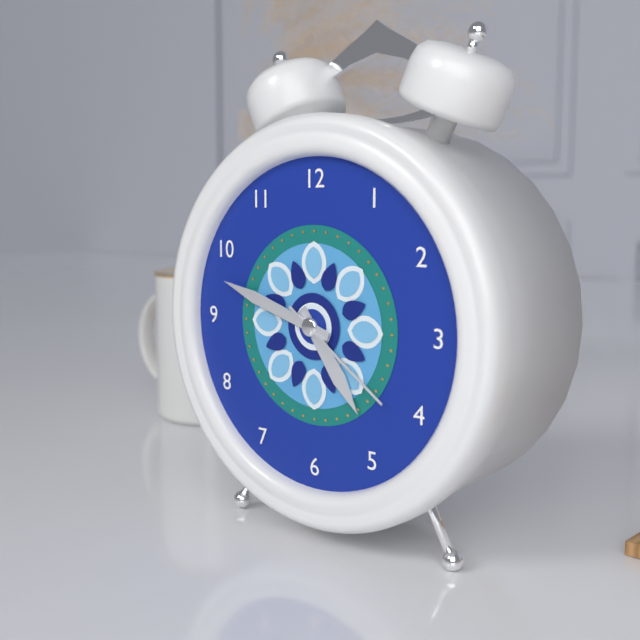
4:48:21
